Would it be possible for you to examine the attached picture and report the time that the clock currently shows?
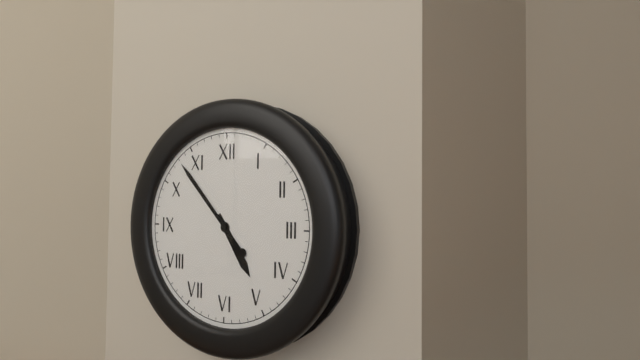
4:53
